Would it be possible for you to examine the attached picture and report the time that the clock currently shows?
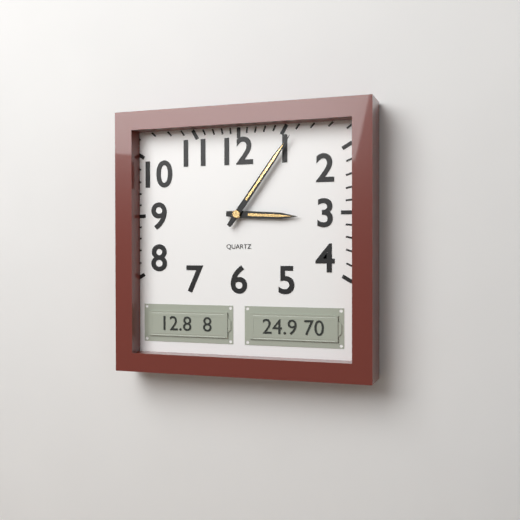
3:06
